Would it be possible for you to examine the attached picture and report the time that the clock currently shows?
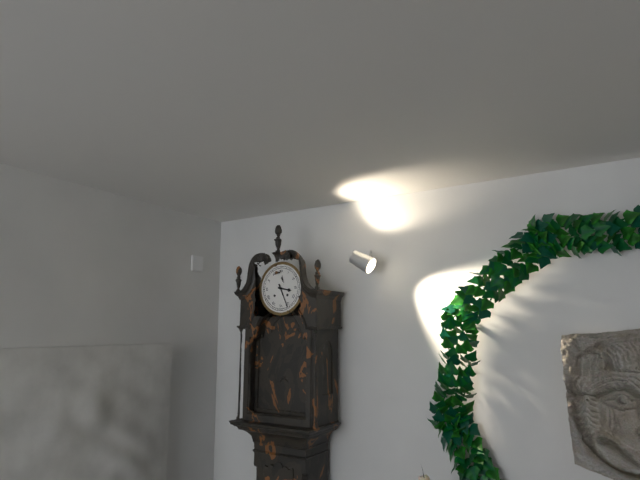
3:26
